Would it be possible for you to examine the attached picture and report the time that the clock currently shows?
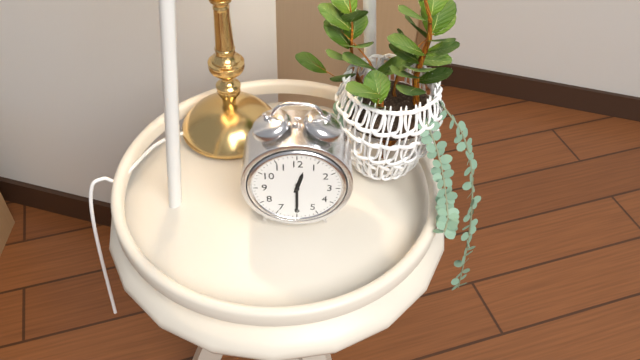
12:30
